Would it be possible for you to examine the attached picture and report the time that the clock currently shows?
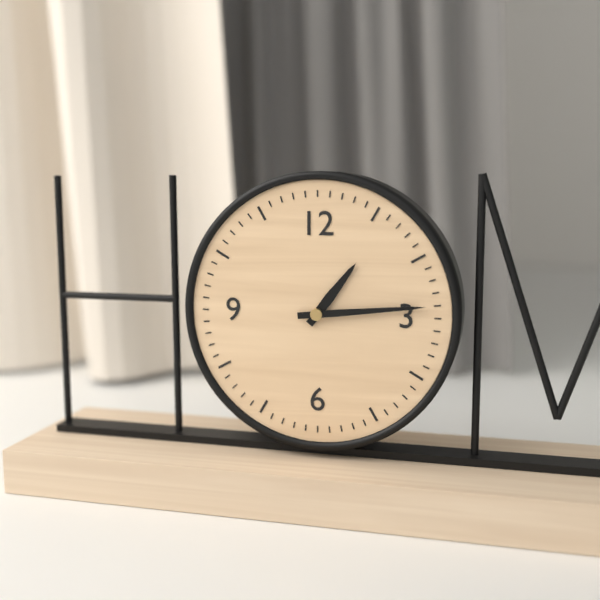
1:14
